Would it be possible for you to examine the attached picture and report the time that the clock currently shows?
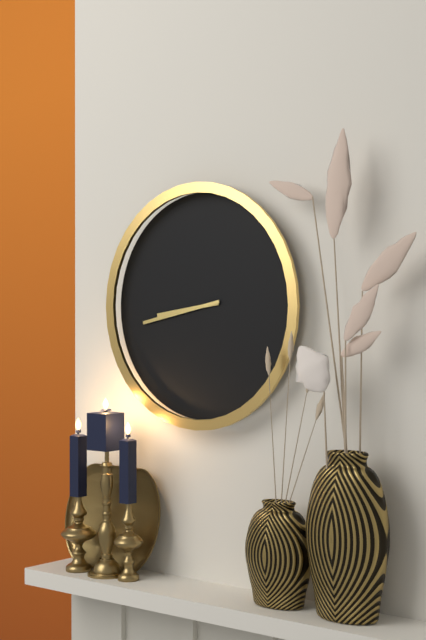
8:43
